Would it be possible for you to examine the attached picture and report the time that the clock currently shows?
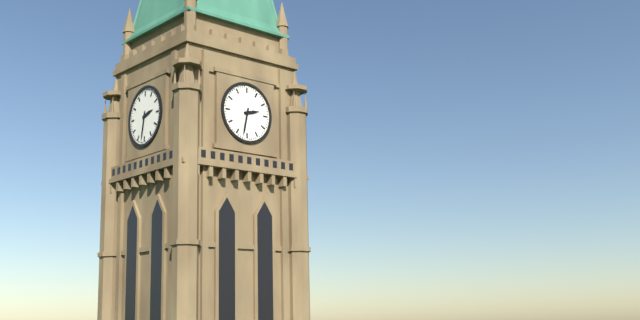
2:32
